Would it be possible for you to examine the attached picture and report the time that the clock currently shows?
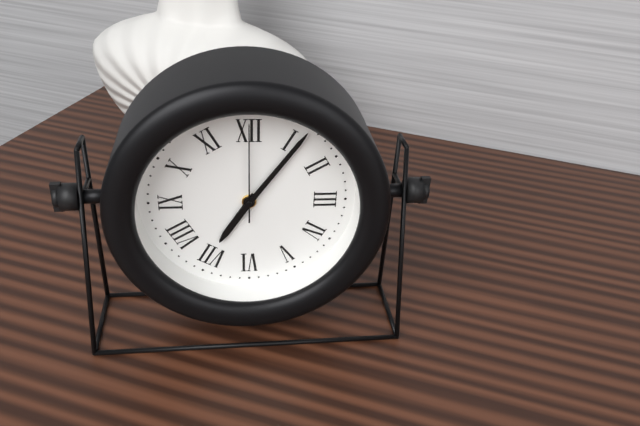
7:06:00
